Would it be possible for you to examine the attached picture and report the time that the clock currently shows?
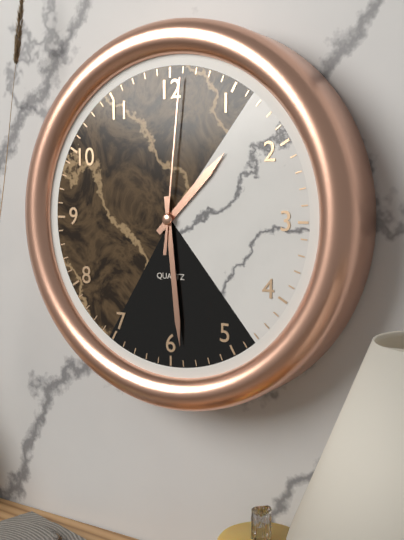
1:29:01
